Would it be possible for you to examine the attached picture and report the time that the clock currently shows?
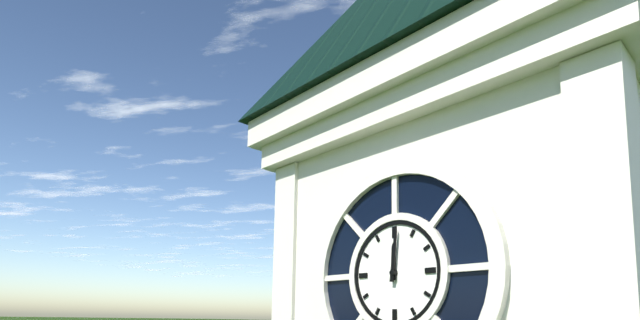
12:01
